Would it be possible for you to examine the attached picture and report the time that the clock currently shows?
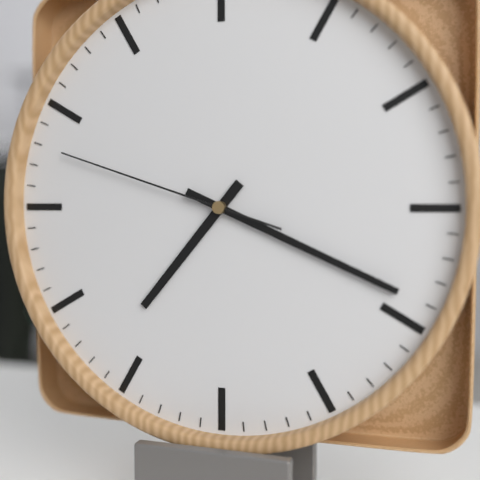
7:19:48
